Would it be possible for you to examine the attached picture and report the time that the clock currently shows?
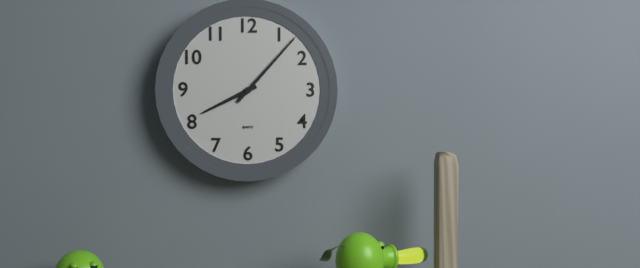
8:07
